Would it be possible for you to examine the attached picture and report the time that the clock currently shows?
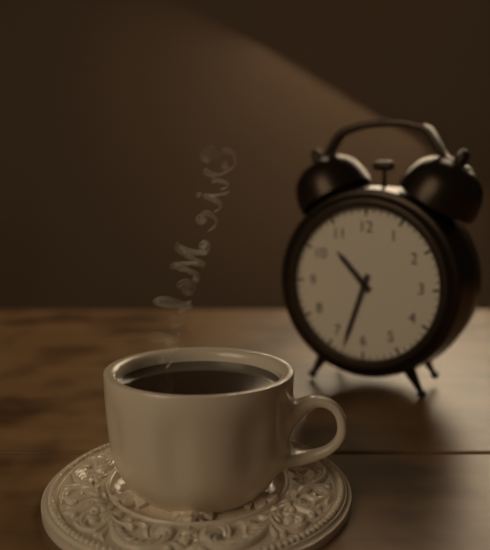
10:33
